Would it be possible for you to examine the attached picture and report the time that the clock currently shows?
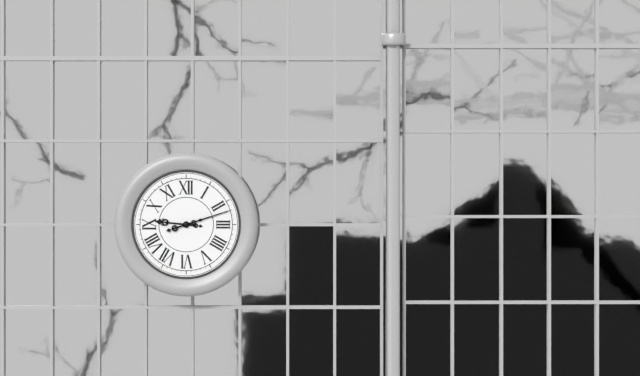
9:12
